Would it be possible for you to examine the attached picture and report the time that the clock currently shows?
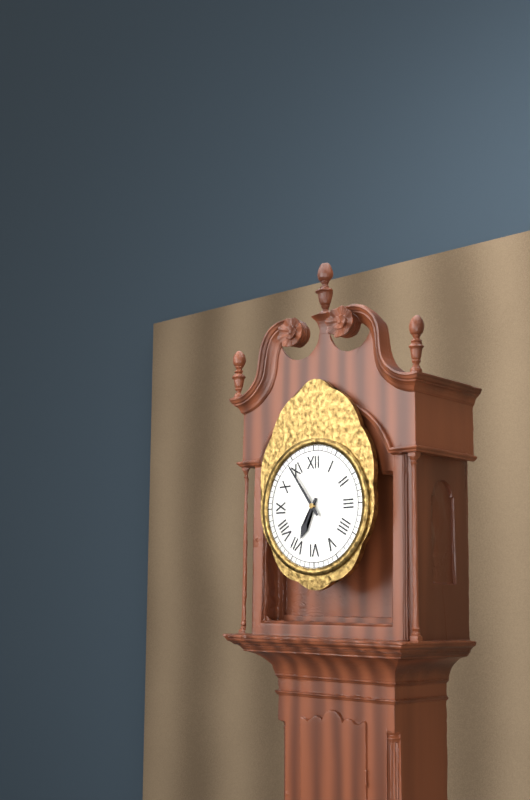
6:54
